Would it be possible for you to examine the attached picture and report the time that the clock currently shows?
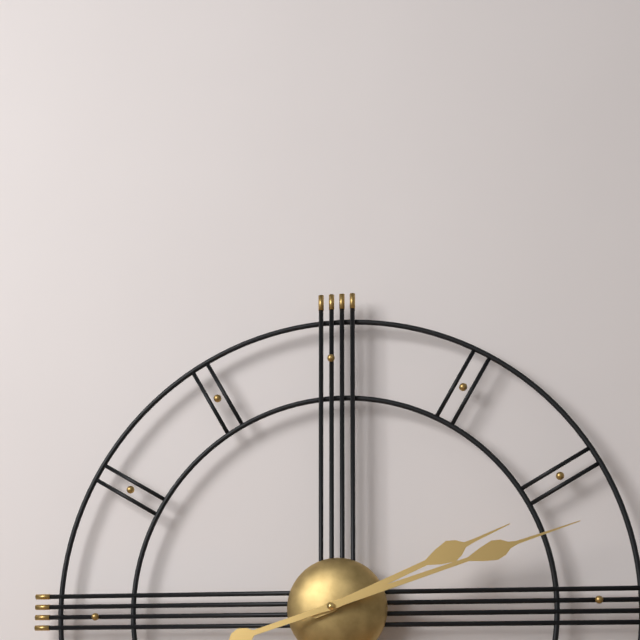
2:12
